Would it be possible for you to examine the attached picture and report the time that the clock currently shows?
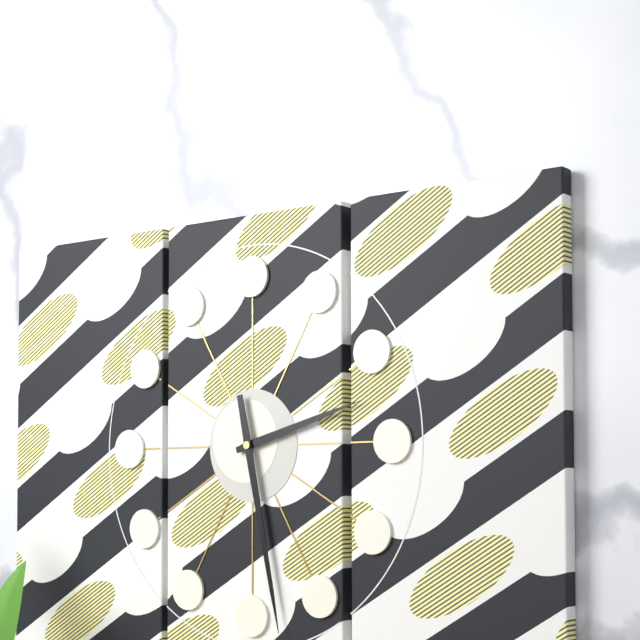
2:28
